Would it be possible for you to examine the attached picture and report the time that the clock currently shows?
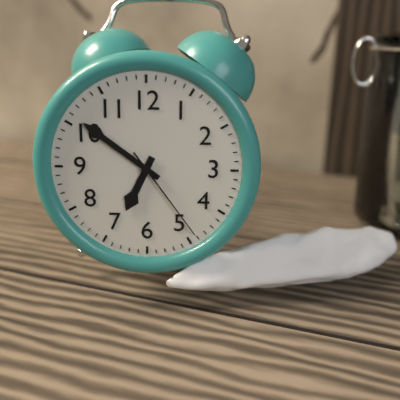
6:51:24
